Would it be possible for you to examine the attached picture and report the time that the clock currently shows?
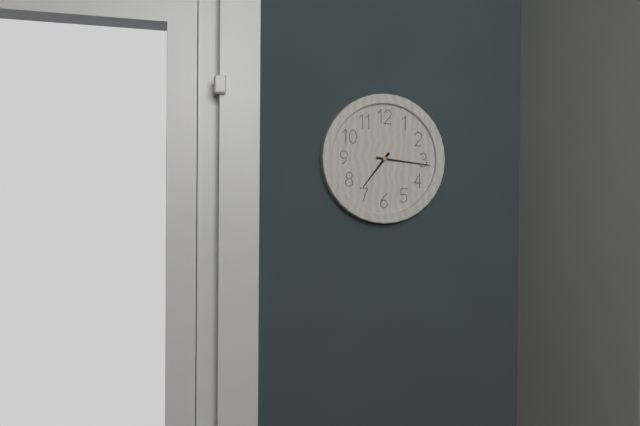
7:16
